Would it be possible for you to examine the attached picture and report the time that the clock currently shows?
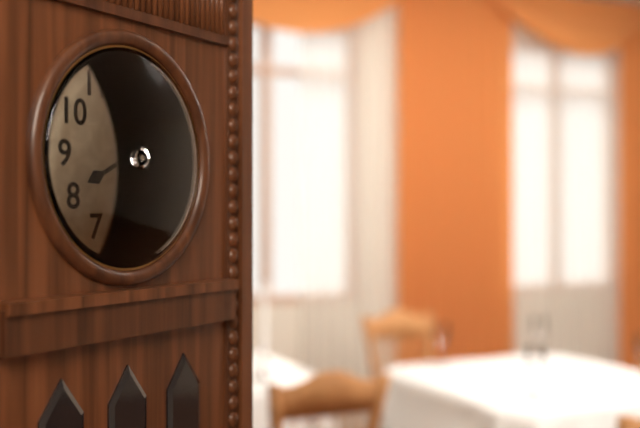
8:08
